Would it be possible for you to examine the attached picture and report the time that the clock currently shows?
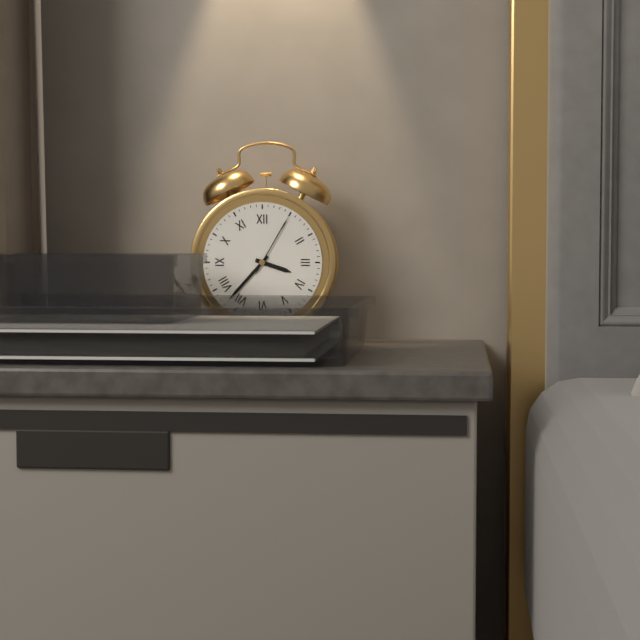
3:37:05
